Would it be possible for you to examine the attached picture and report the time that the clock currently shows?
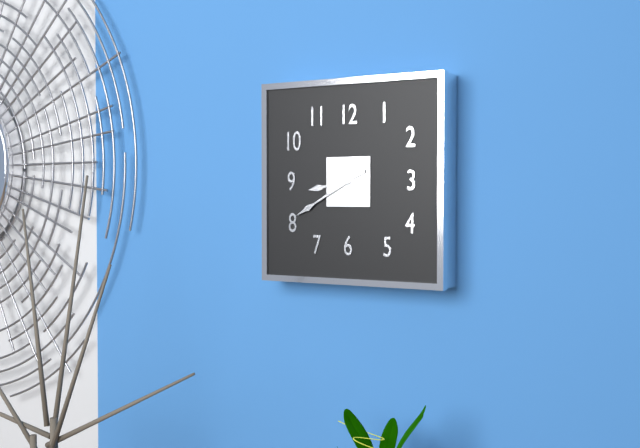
8:40
